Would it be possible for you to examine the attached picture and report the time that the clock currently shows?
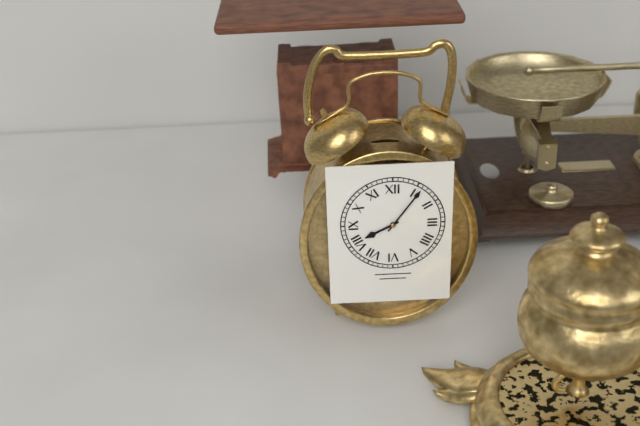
8:06
